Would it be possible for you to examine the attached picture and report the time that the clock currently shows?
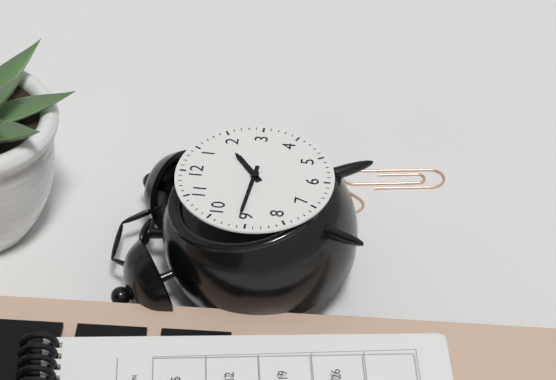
1:46
